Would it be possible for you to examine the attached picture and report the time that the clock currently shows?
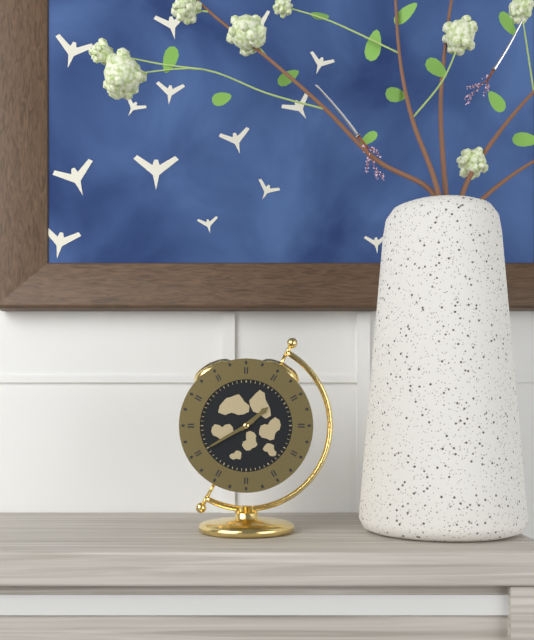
1:40
